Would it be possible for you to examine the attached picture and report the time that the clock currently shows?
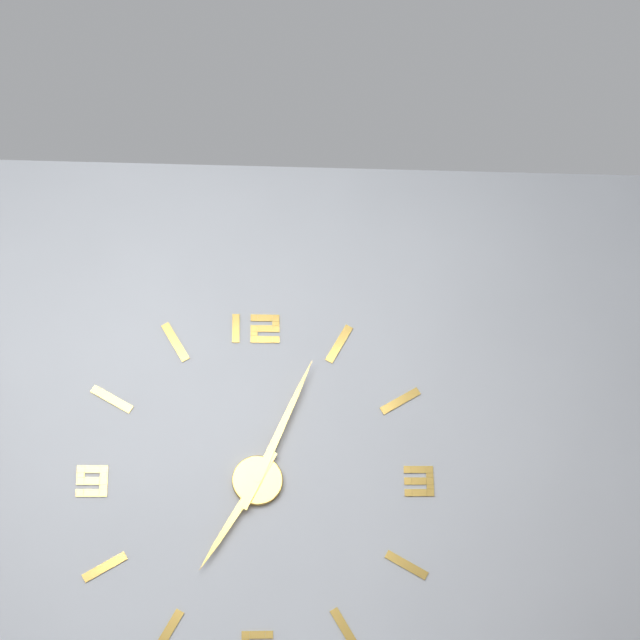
7:04
